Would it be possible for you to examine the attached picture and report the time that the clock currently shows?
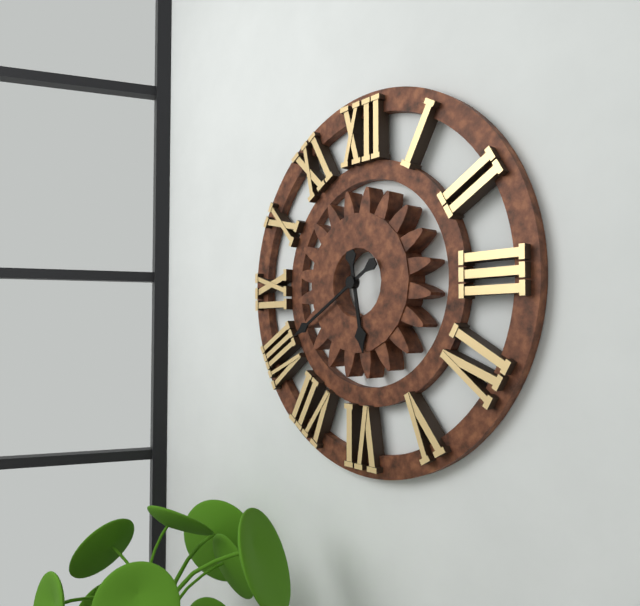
5:40
